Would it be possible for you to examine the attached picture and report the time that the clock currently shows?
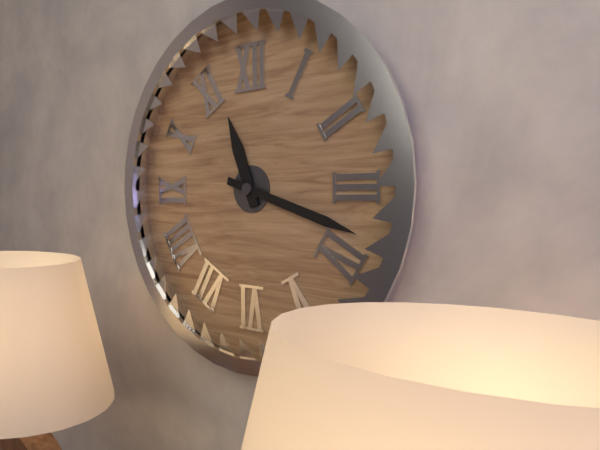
11:18
